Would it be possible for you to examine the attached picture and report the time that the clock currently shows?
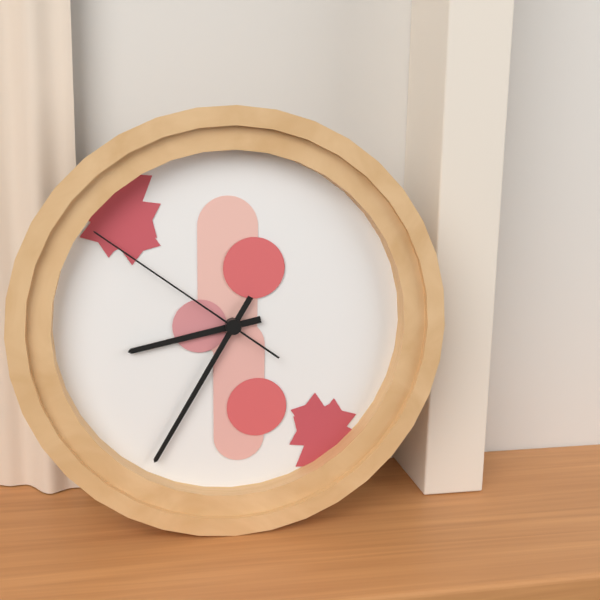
8:35:51
